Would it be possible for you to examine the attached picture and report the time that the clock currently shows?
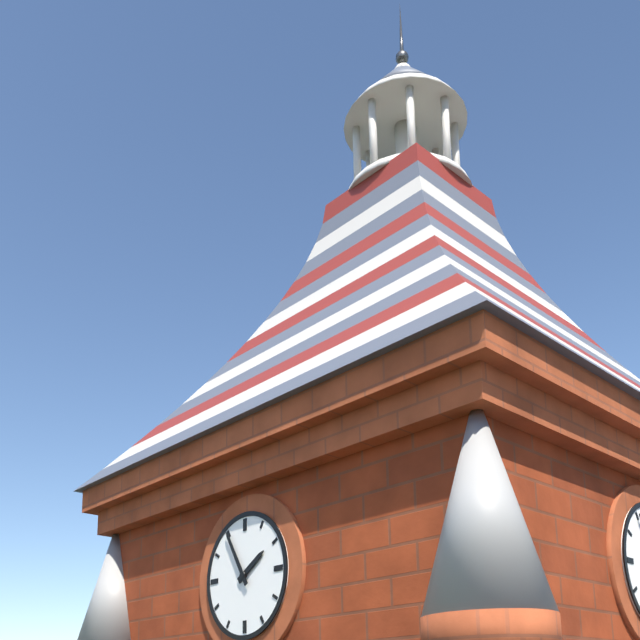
1:55
